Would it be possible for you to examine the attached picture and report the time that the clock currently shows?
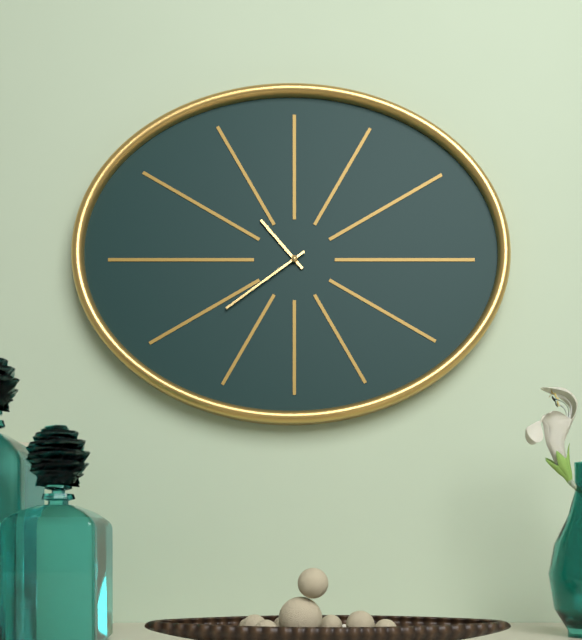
10:39
